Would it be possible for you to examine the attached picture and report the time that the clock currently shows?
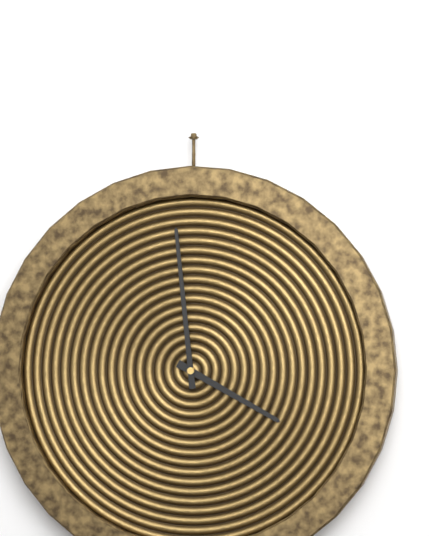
3:59
